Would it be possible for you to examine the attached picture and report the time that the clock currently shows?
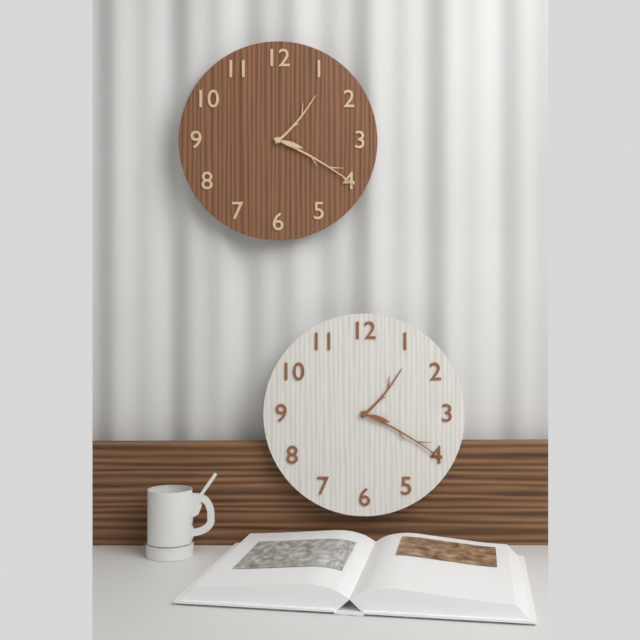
1:20
